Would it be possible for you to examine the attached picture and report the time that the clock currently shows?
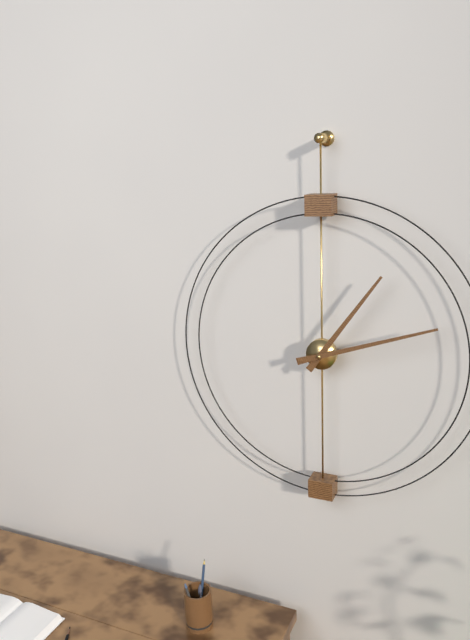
1:12
